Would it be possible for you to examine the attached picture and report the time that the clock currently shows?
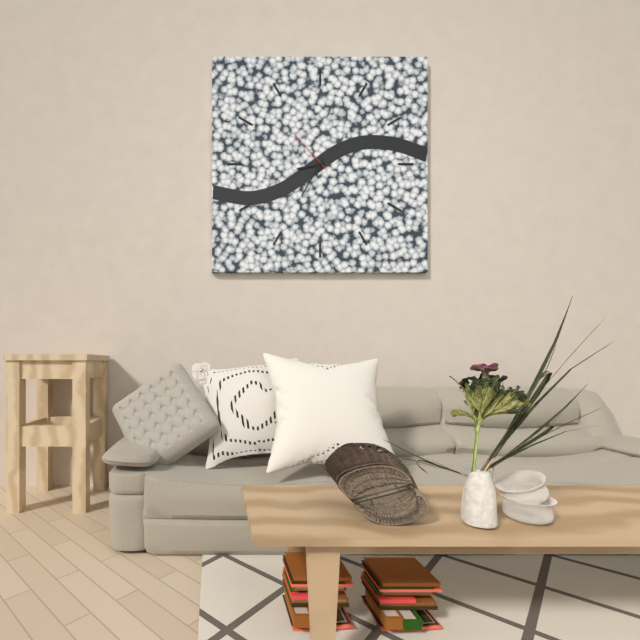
8:35:53
